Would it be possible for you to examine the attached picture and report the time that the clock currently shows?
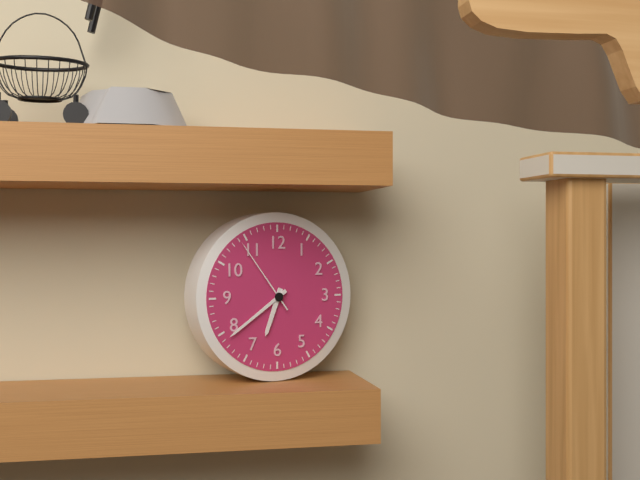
6:39:54
